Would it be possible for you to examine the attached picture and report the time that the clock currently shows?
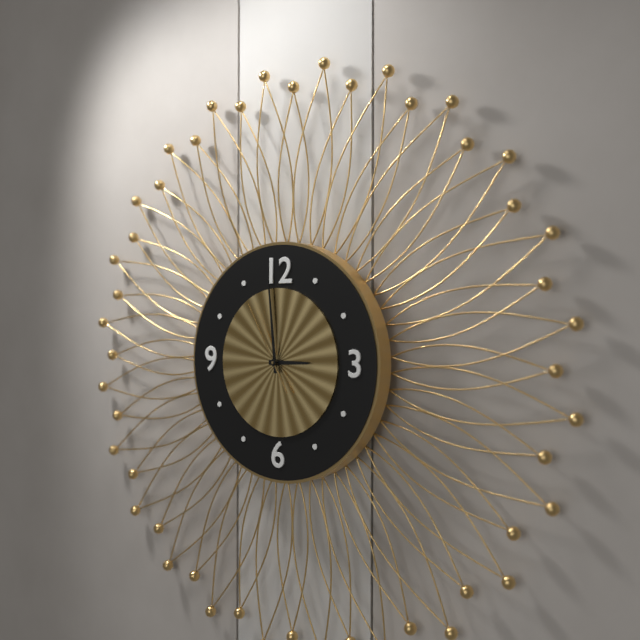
2:59:55
